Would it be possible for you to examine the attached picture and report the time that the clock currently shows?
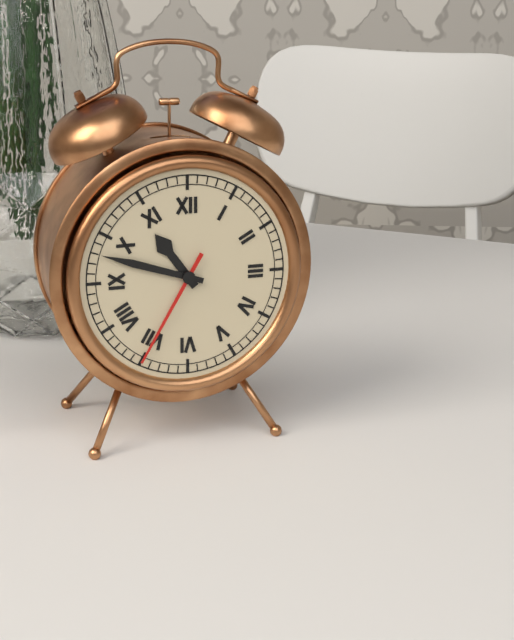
10:48:35
